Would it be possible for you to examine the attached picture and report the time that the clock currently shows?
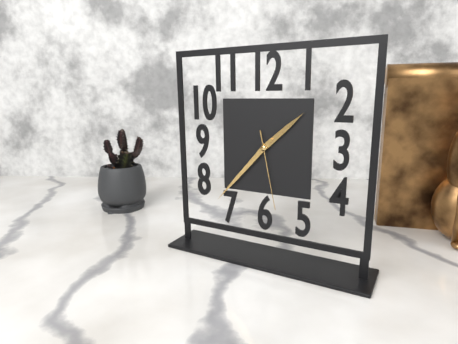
1:37:28
